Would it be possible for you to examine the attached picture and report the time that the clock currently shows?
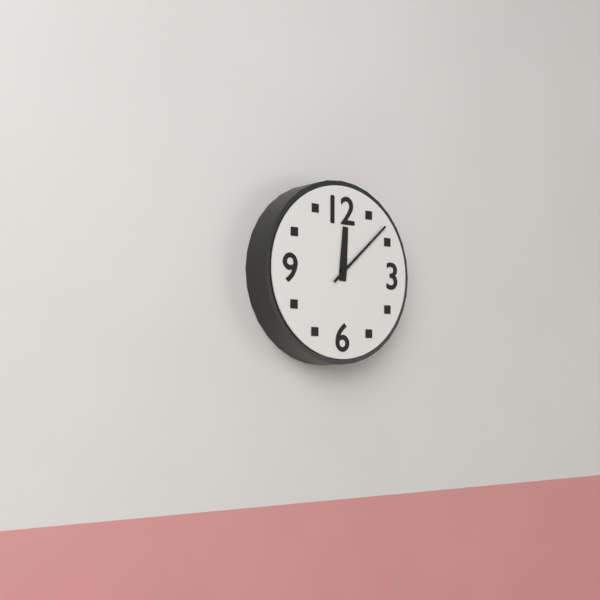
12:08
